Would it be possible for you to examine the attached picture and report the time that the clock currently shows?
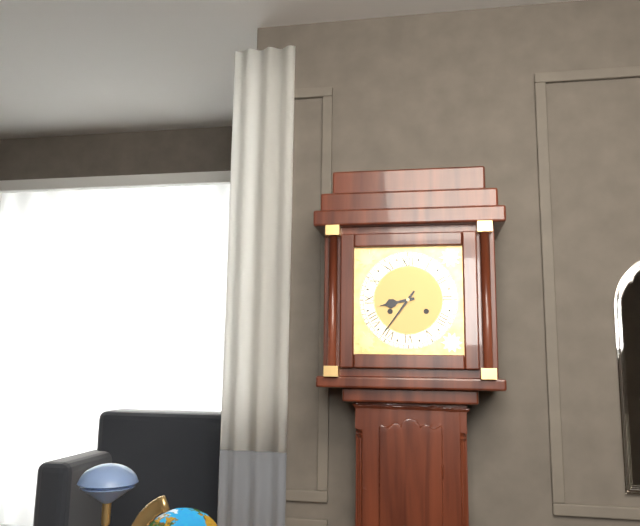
8:36
